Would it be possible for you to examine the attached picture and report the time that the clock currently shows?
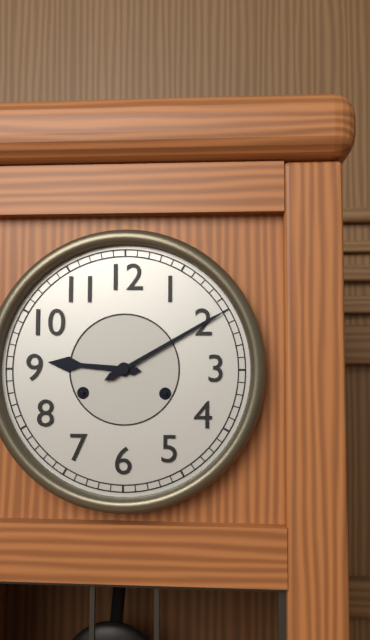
9:10
